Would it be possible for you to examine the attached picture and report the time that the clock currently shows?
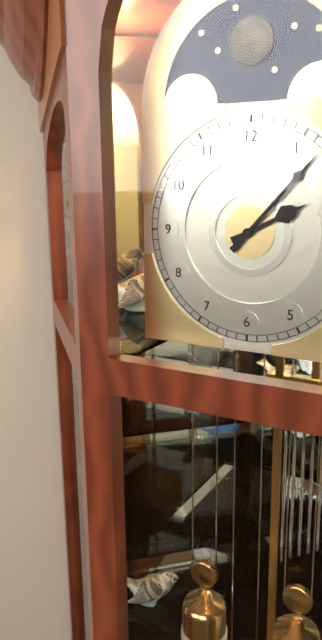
2:07
